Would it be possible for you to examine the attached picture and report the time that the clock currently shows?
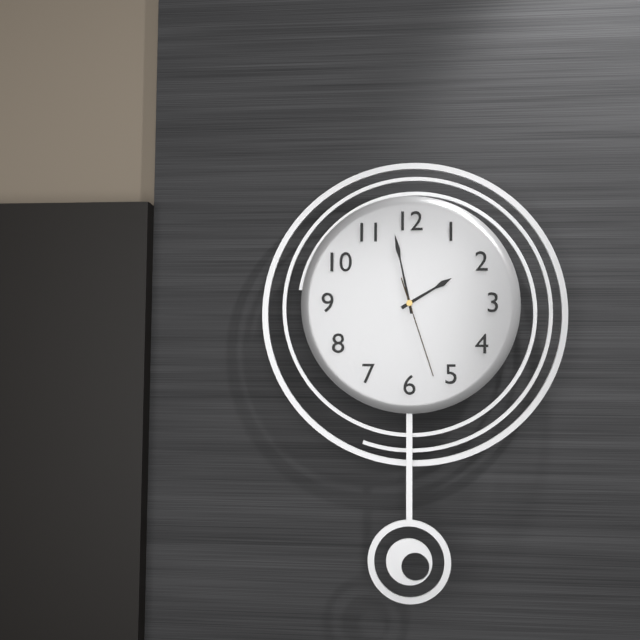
1:58:27
